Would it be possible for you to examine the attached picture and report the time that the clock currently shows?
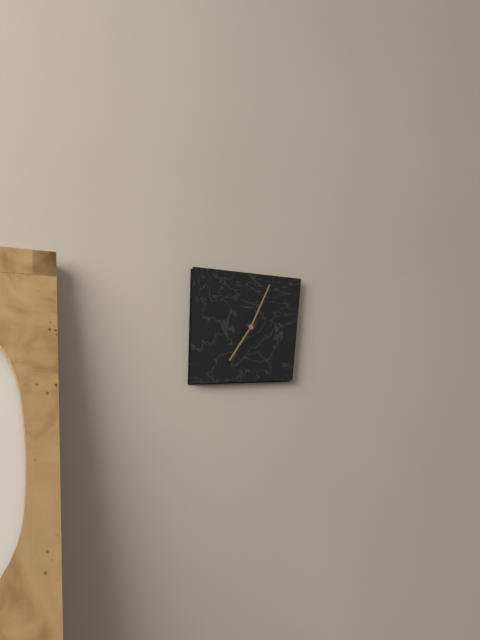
7:04
